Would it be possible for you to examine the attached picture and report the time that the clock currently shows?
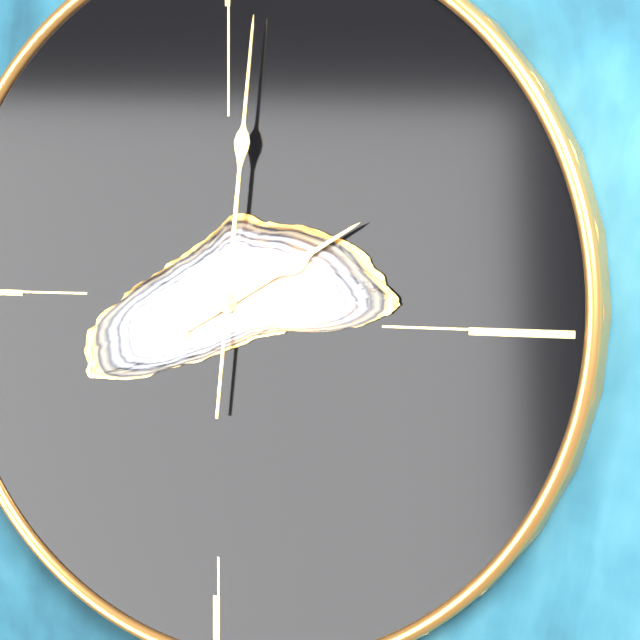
2:01
